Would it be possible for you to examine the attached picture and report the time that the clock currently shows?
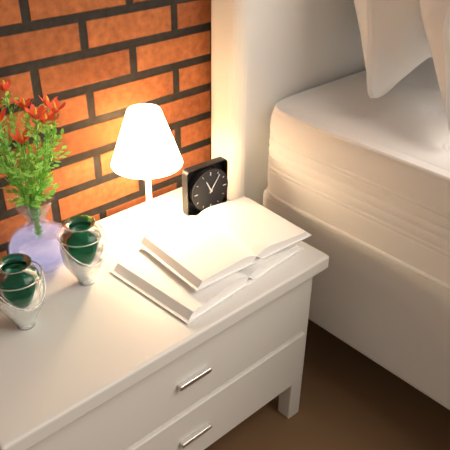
11:06
